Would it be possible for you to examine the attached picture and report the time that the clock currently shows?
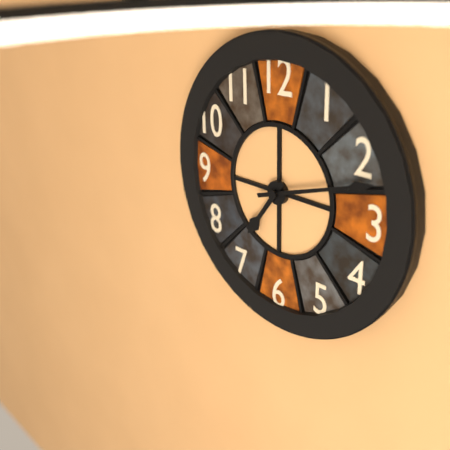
7:12
